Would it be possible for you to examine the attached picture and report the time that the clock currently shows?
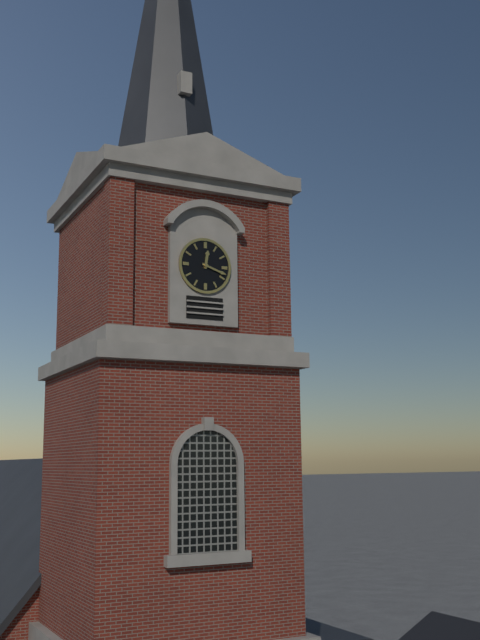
12:18
